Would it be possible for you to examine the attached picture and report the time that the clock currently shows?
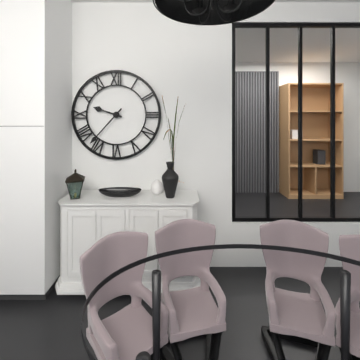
9:37
